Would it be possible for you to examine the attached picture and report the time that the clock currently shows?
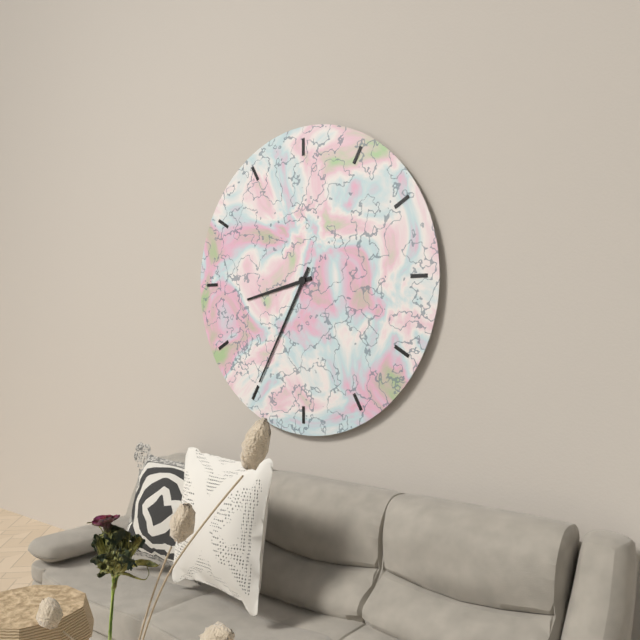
8:35
